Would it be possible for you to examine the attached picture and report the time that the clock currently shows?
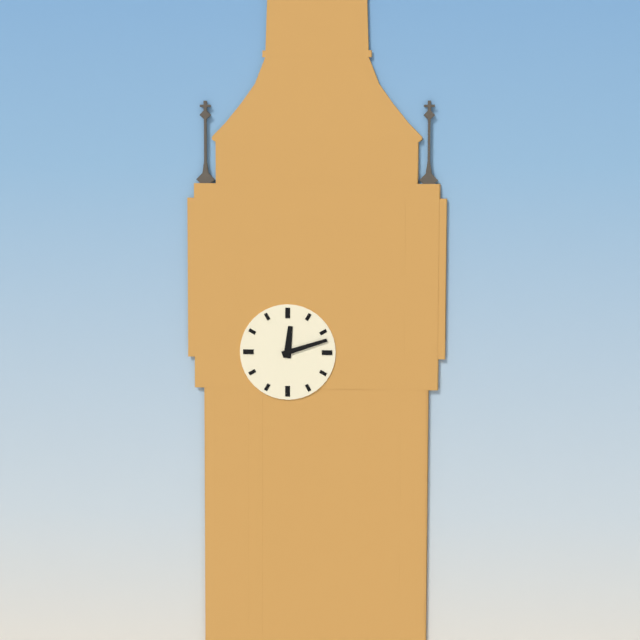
12:12
